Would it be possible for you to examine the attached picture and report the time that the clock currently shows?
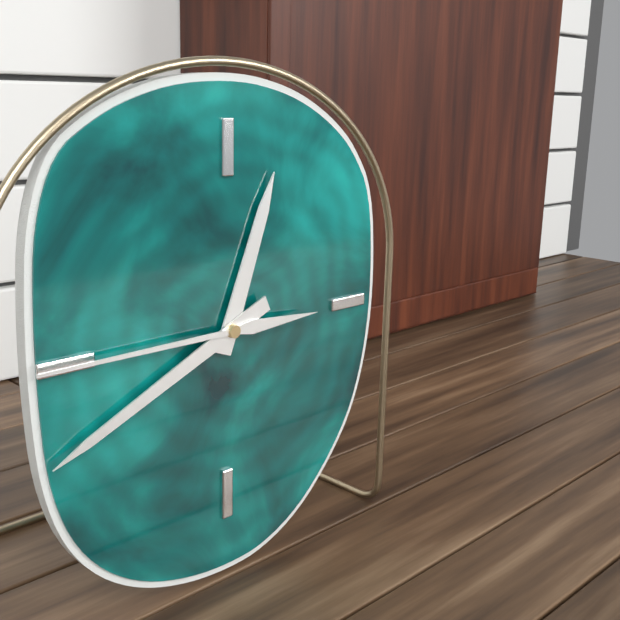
12:41:45
